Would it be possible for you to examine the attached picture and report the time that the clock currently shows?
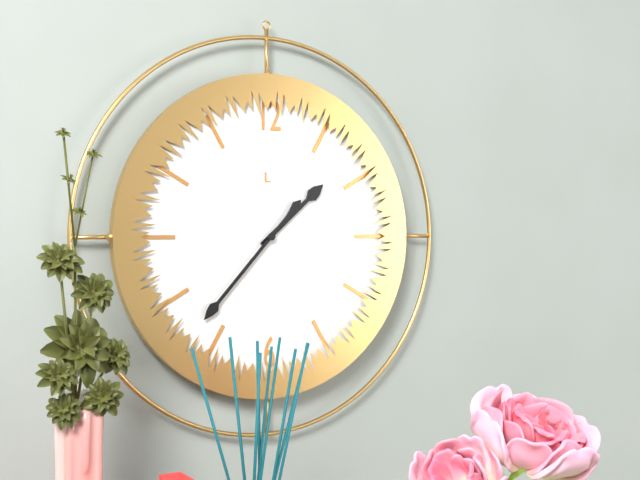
1:37
